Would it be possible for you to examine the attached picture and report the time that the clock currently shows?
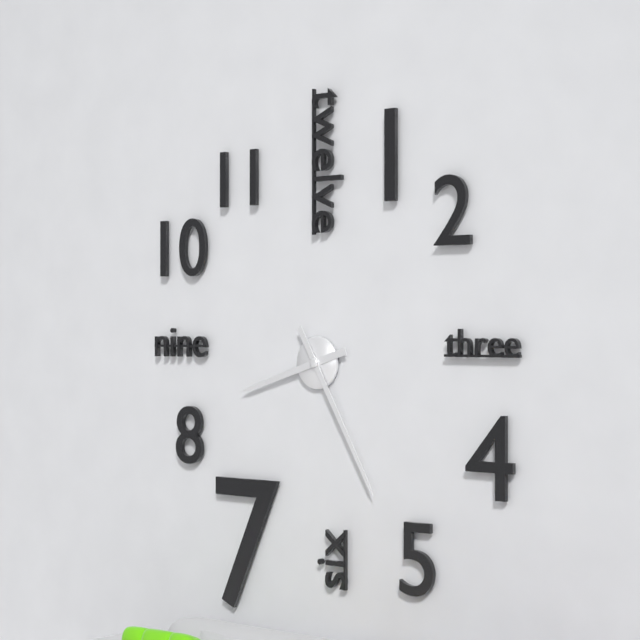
8:25
